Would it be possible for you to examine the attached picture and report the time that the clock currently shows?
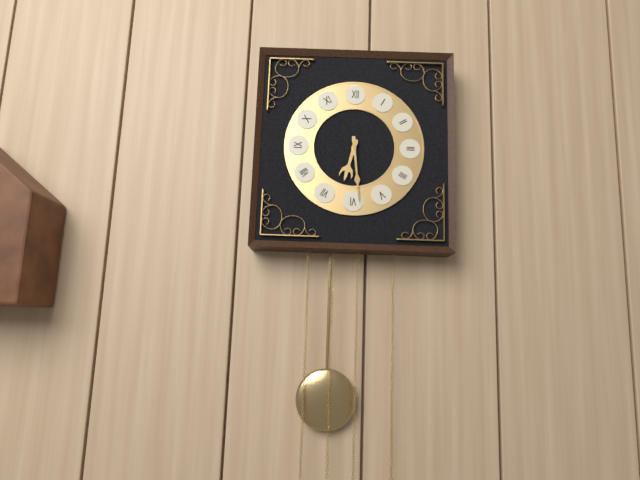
6:29
